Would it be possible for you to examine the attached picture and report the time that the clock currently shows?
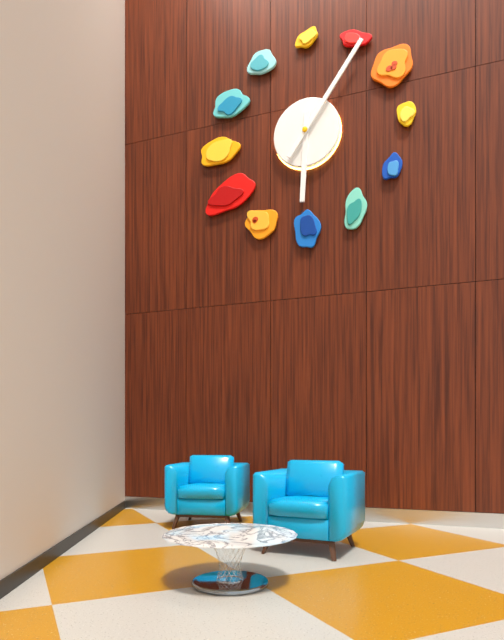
6:06
